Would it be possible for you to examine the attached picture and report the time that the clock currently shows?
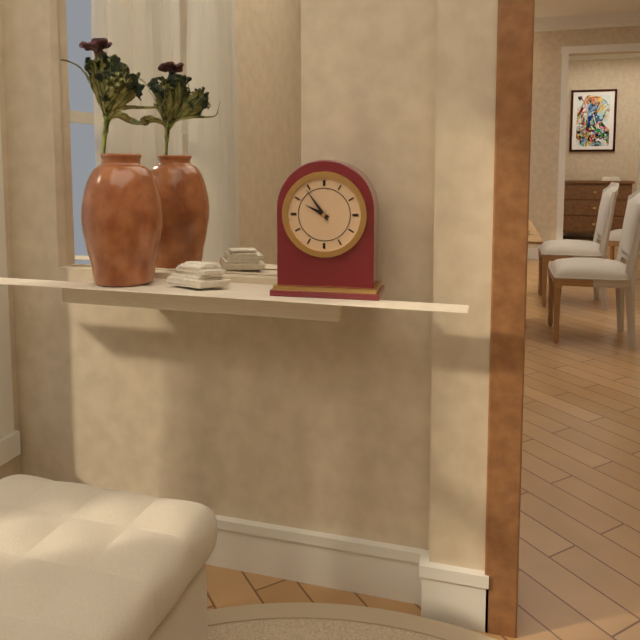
9:54
